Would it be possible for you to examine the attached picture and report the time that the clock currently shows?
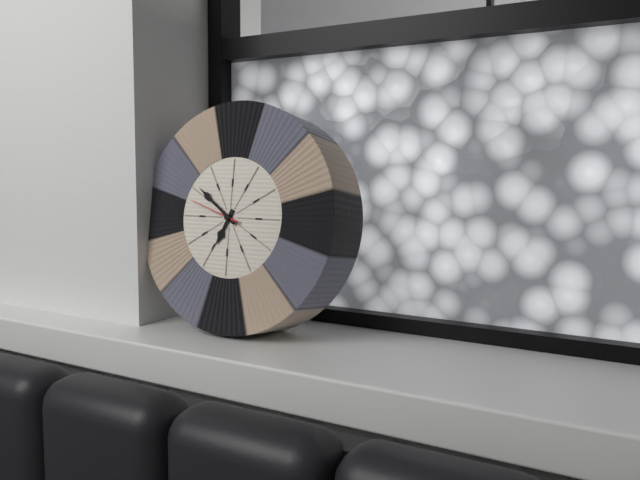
6:51:48
